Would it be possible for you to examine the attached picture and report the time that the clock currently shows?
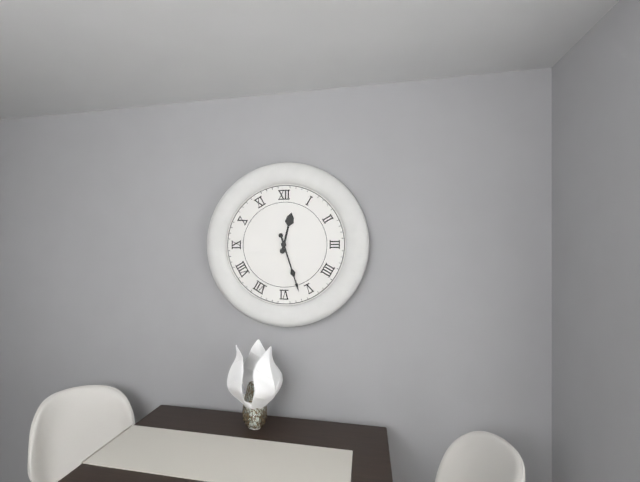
12:27
